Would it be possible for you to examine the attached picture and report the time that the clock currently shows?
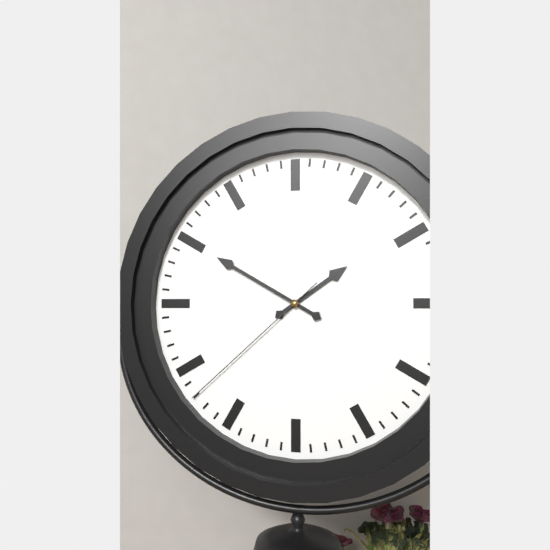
1:50:38
